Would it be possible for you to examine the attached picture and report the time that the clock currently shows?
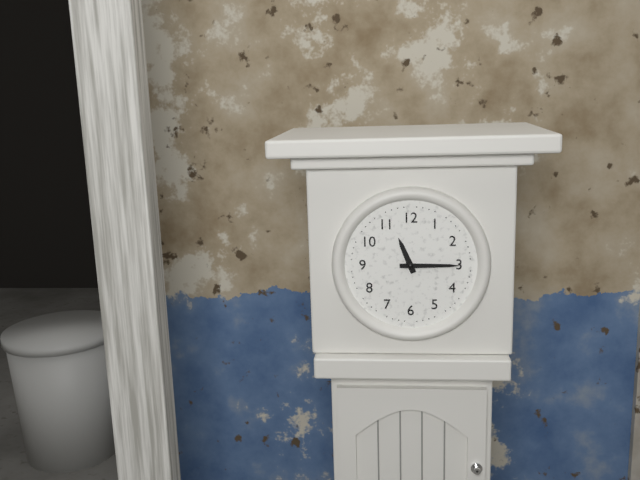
11:15
